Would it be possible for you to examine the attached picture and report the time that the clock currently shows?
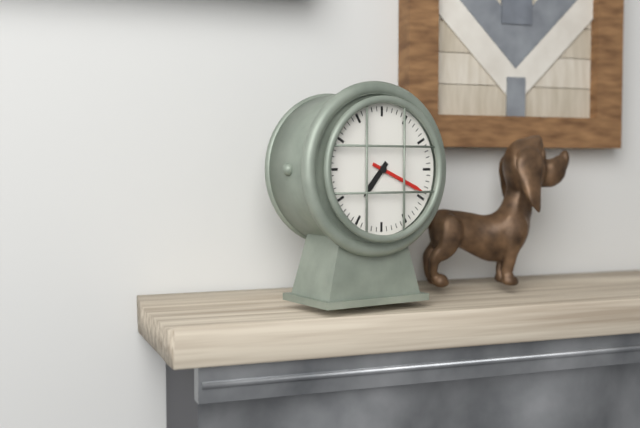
7:19
